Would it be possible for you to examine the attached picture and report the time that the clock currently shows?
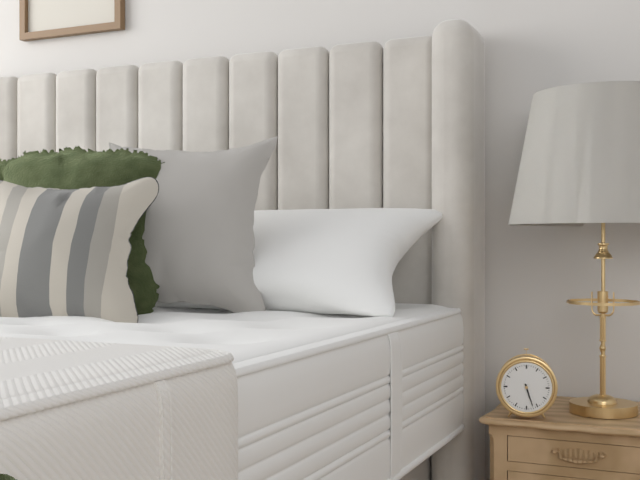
5:27
